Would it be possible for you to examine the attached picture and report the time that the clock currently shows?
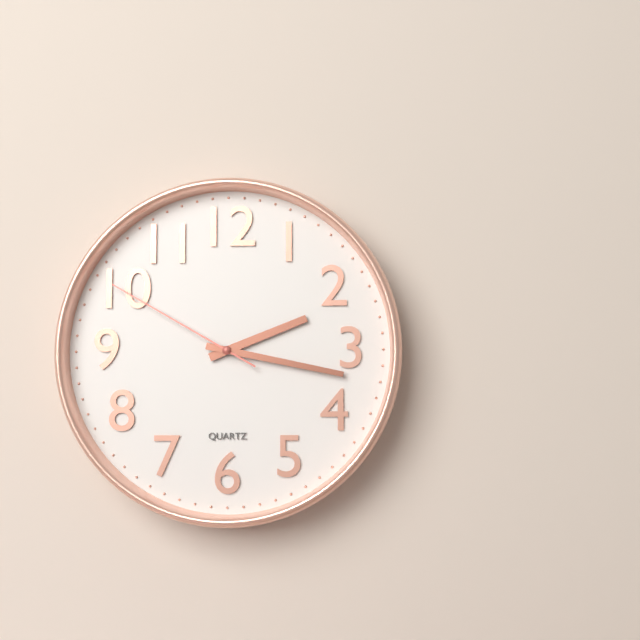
2:17:50
